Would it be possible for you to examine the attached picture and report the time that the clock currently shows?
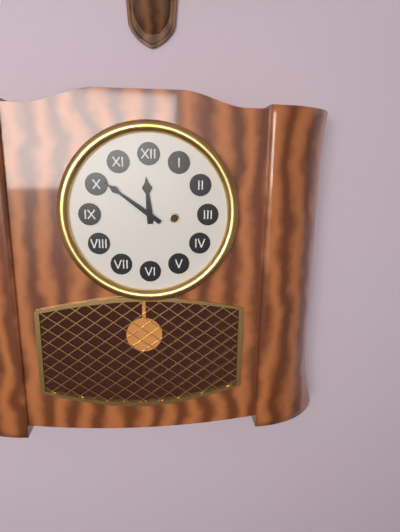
11:51
